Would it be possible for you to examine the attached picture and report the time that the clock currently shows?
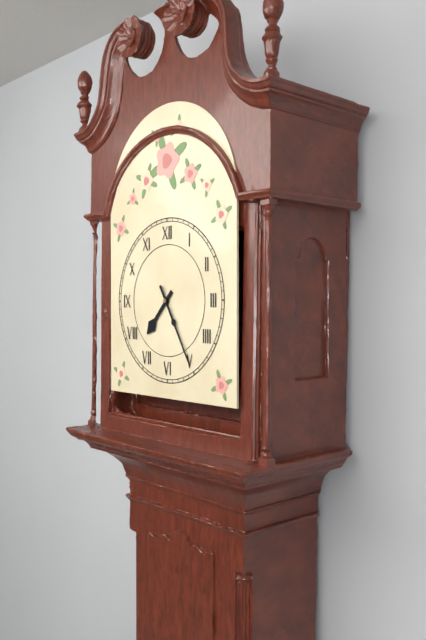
7:25
